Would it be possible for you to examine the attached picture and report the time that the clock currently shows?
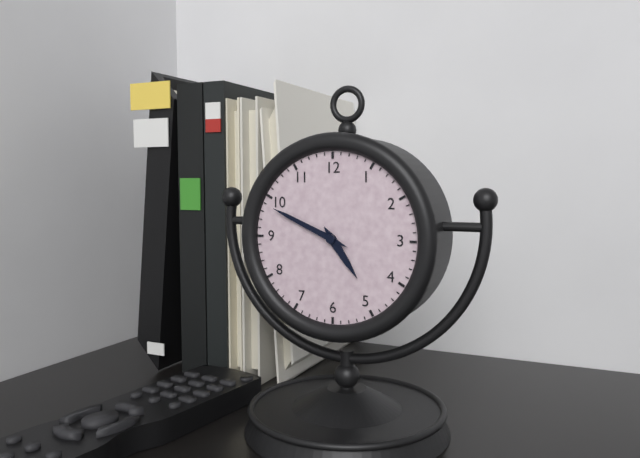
4:49
